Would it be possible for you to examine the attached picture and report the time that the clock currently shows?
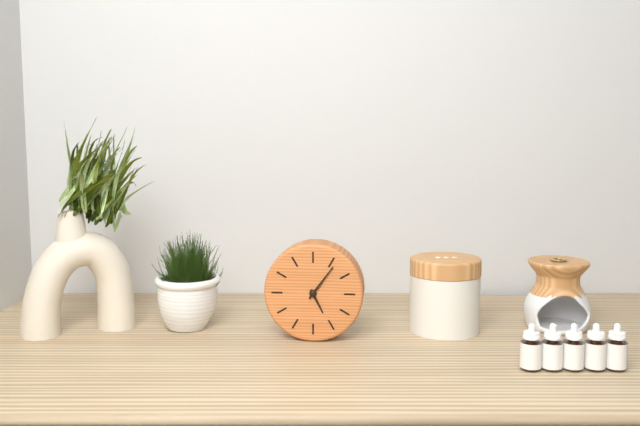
5:06
